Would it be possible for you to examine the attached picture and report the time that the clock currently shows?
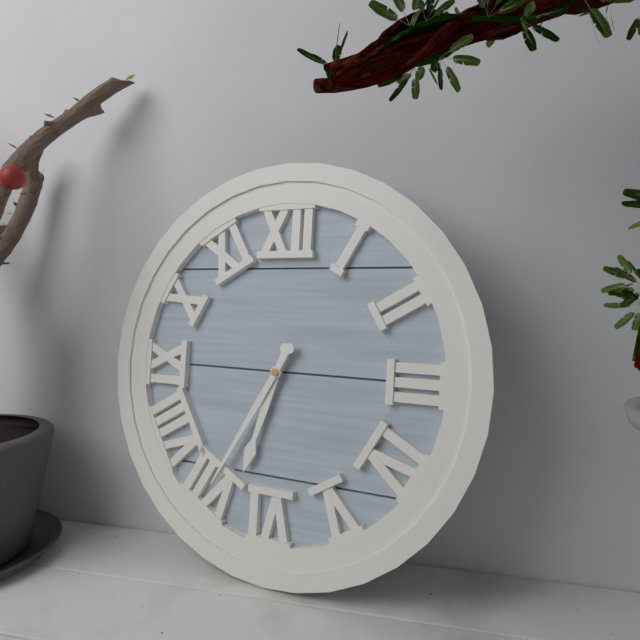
6:35
